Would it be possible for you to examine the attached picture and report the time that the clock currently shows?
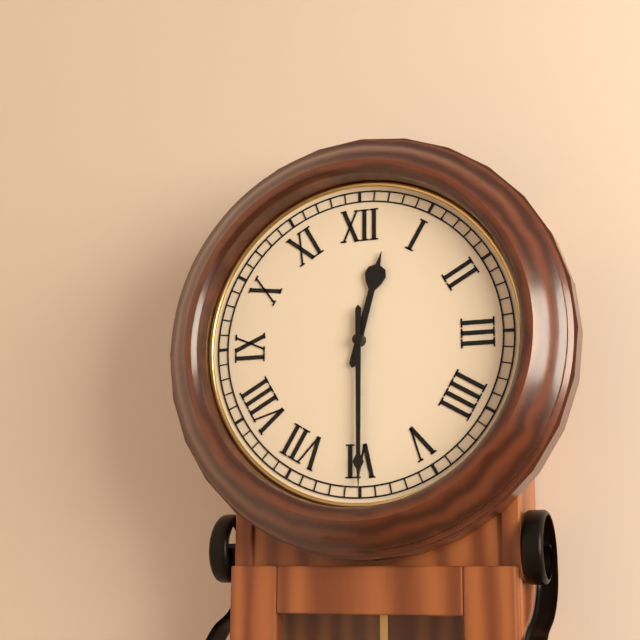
12:30
